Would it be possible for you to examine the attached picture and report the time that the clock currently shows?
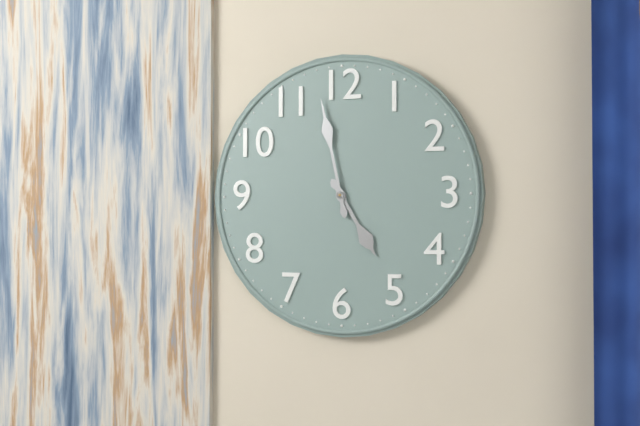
4:58
